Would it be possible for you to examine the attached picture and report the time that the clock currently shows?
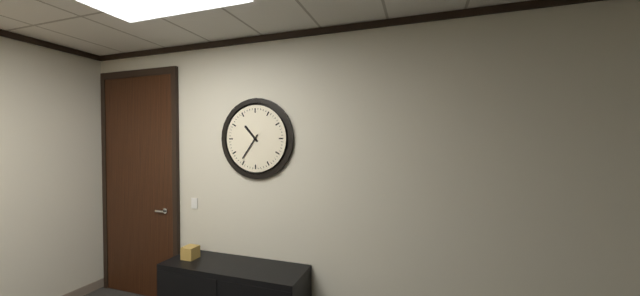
10:36
